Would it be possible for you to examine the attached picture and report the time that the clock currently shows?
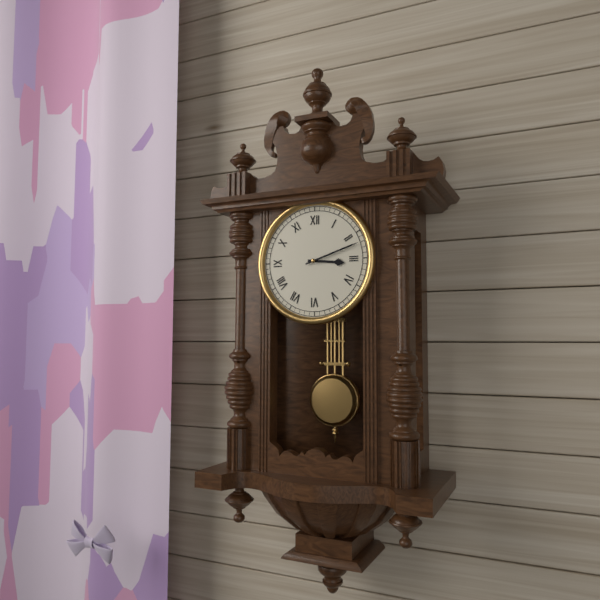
3:12
